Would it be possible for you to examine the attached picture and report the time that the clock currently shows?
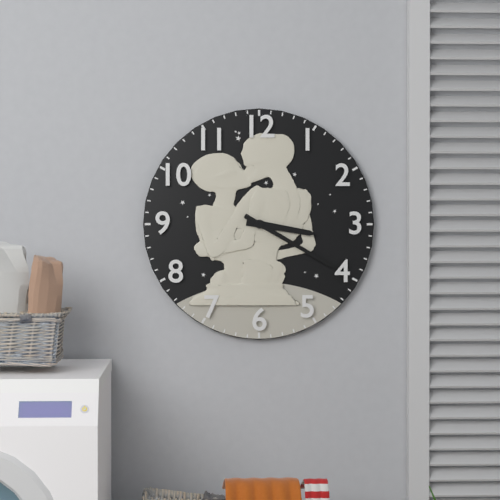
3:20
